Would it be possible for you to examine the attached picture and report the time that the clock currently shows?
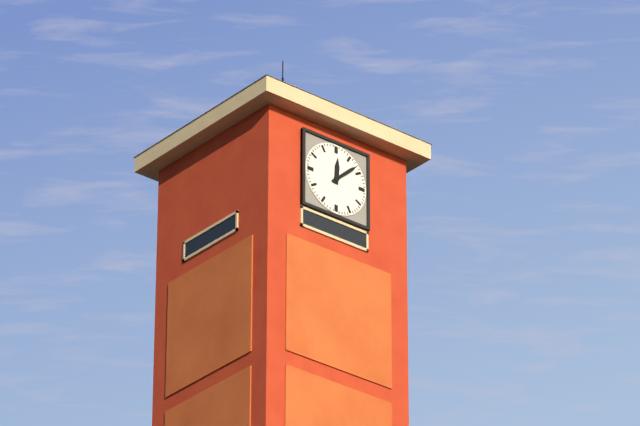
12:08
